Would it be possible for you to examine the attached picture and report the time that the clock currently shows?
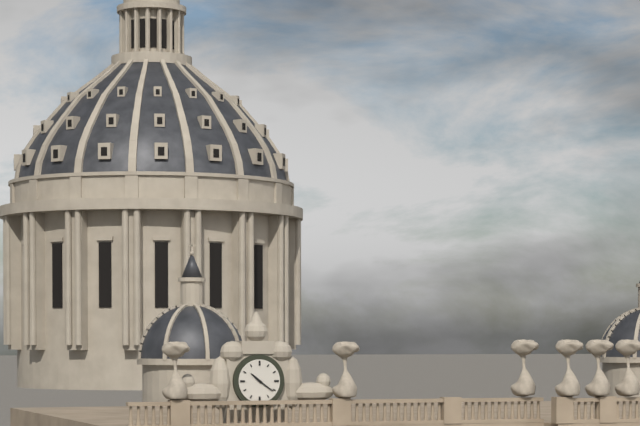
10:21
